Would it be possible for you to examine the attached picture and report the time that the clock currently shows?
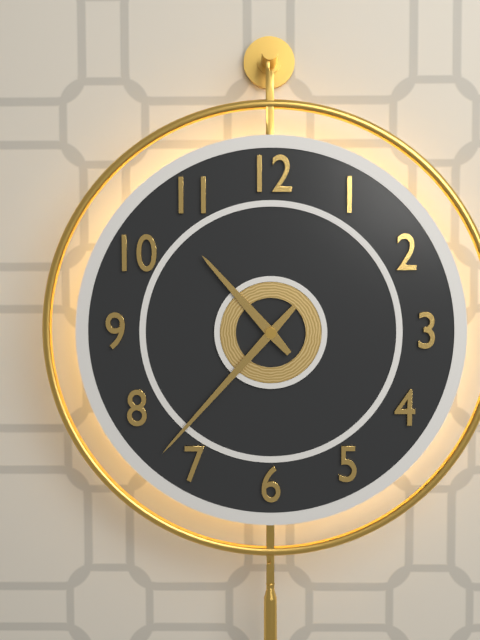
10:37
